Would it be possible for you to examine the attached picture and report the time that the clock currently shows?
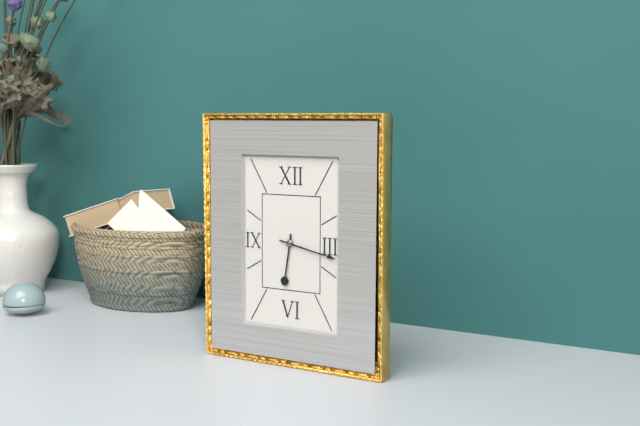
6:17
